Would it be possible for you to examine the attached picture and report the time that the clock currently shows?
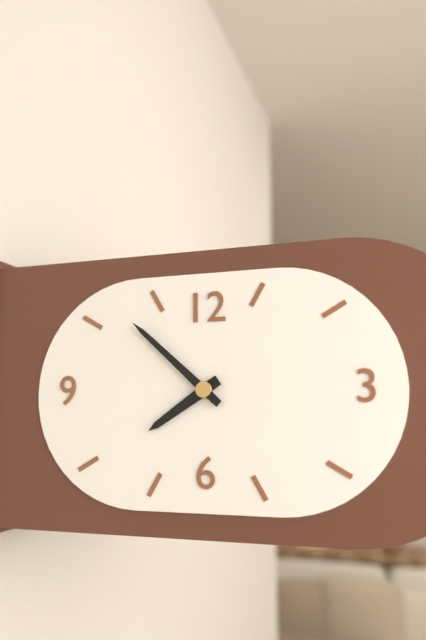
7:52
